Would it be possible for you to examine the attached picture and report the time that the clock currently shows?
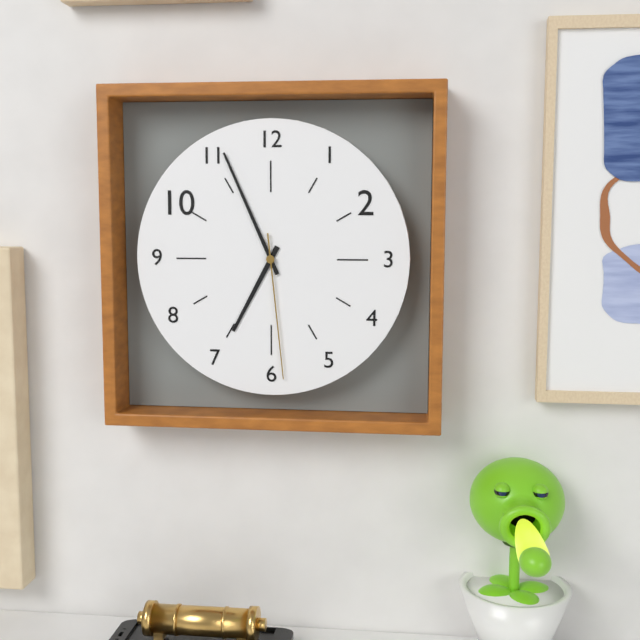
6:56:29
